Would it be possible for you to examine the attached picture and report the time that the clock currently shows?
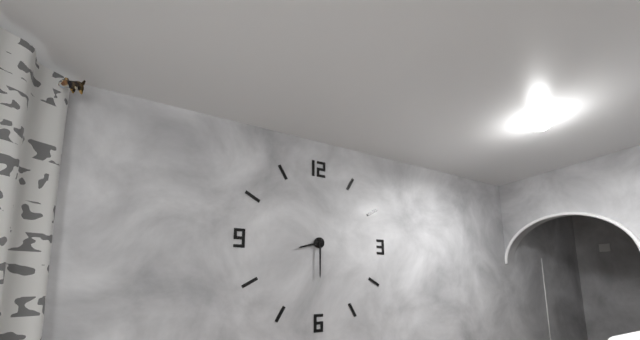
8:30
